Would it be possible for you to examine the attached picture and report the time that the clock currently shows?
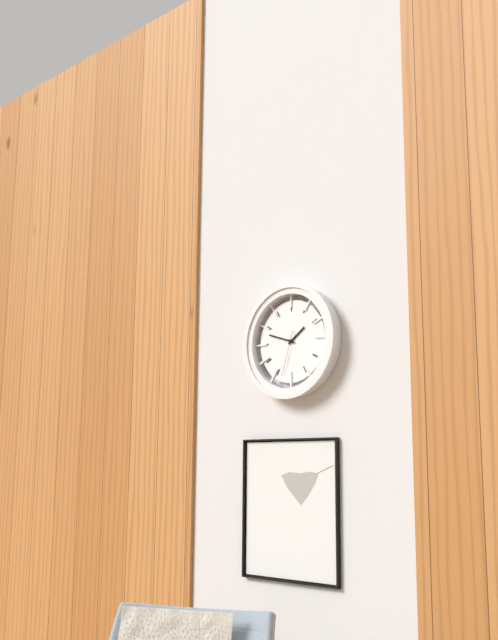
1:48
